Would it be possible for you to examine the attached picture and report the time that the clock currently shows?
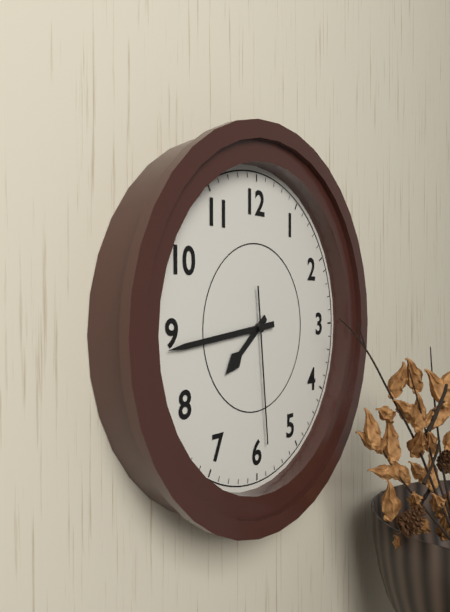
7:44:29
